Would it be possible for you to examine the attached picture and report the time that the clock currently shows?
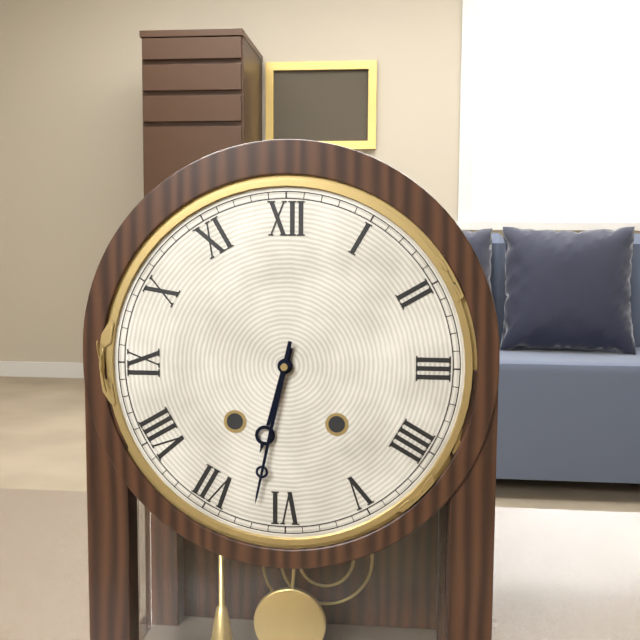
6:32
